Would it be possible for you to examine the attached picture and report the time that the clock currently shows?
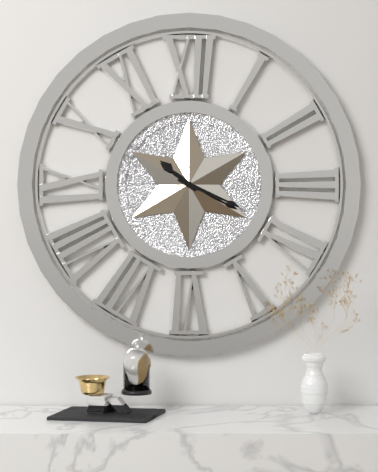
10:19
